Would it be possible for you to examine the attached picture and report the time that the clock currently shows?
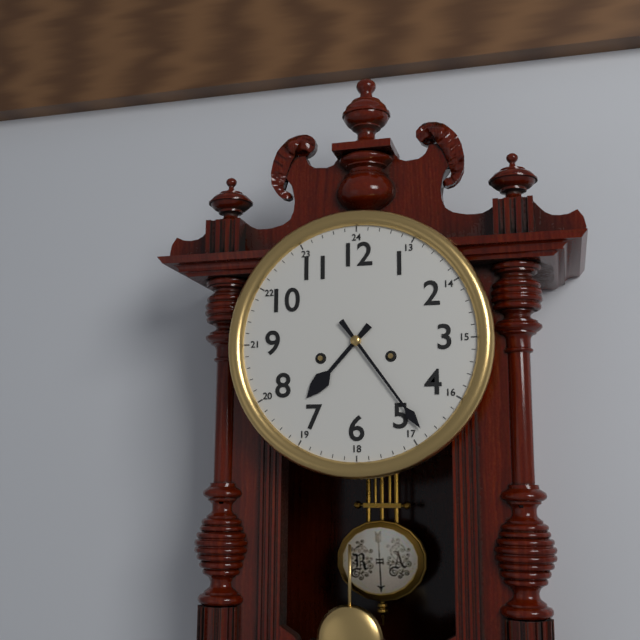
7:24
